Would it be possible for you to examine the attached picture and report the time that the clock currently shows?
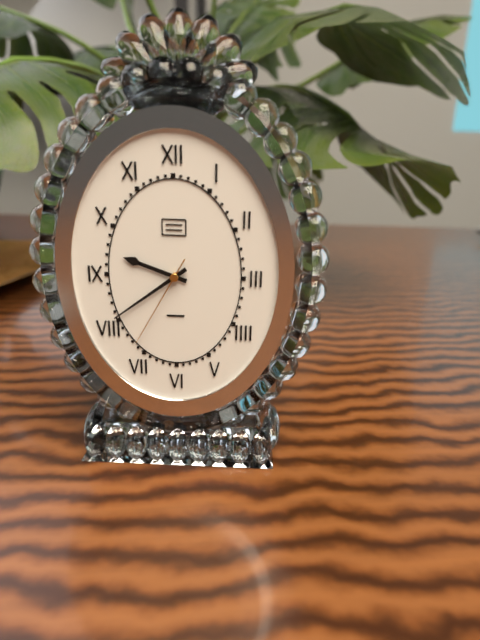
9:39:35
